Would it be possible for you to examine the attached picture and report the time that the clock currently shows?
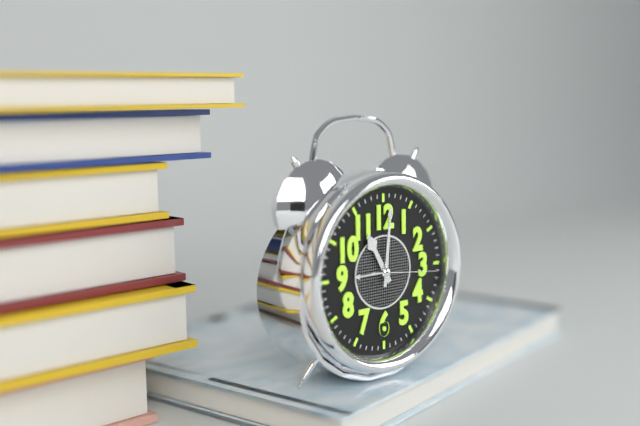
11:01:16
